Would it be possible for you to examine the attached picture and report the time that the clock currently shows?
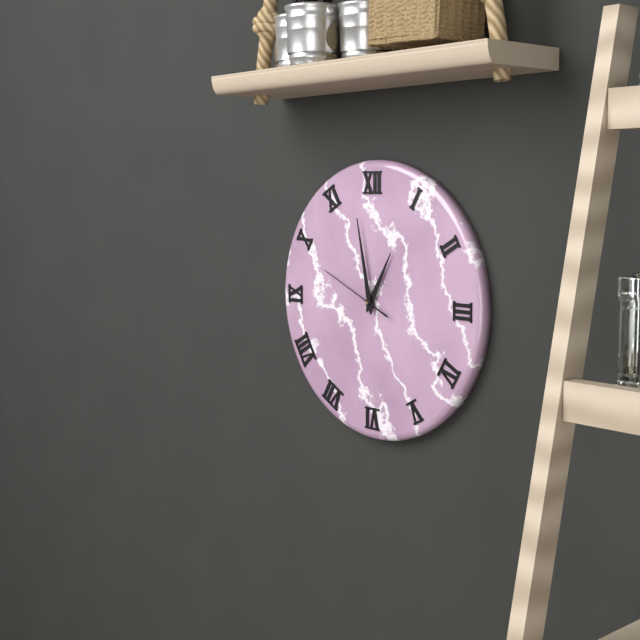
12:58:49
